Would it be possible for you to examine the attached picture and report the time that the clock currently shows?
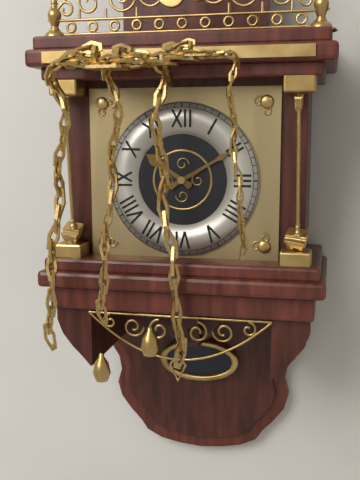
10:10
